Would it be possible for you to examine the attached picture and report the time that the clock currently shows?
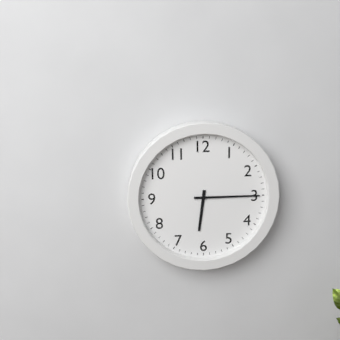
6:15
